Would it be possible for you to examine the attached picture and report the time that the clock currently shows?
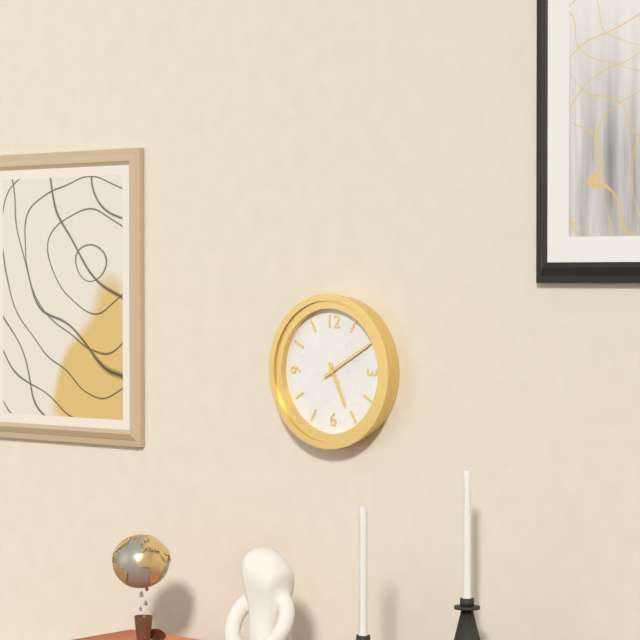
5:10
